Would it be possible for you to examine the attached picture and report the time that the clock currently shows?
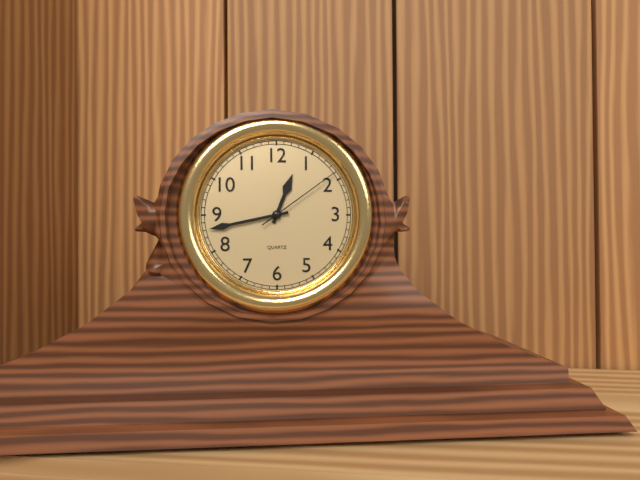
12:43:09
